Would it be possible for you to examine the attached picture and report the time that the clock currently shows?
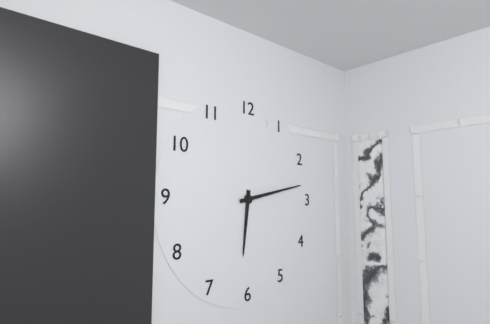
6:13
